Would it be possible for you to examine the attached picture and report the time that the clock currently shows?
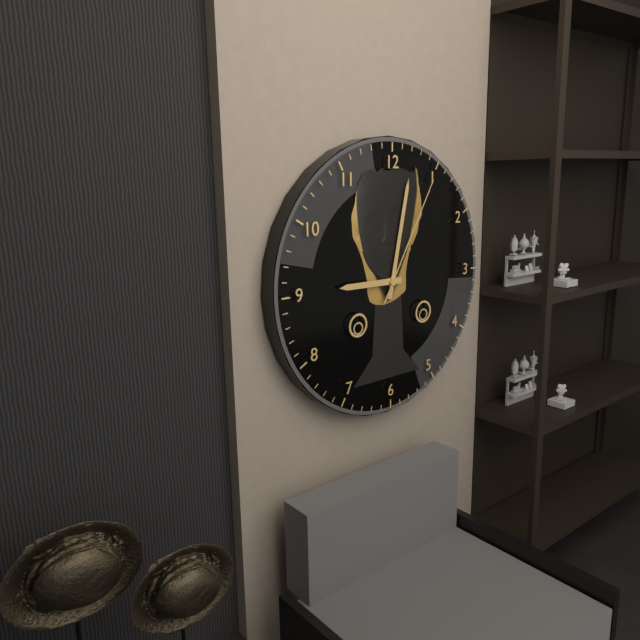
9:02:05
